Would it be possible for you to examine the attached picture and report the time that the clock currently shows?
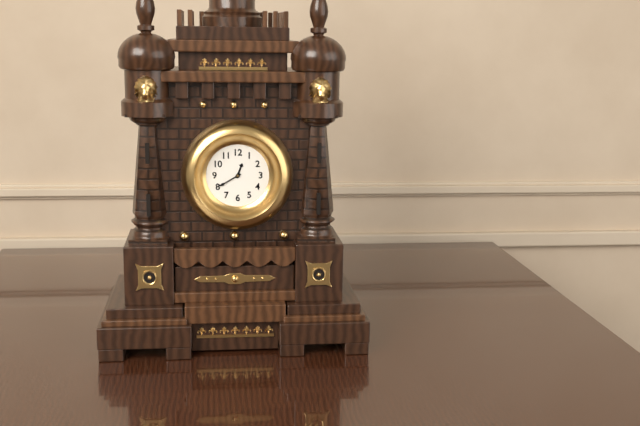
12:40
